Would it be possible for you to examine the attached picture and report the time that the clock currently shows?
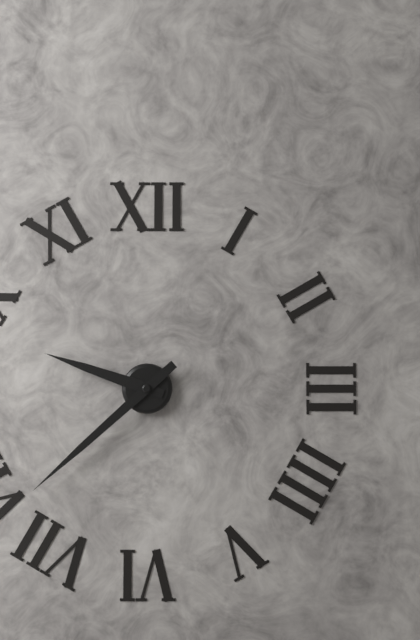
9:38
